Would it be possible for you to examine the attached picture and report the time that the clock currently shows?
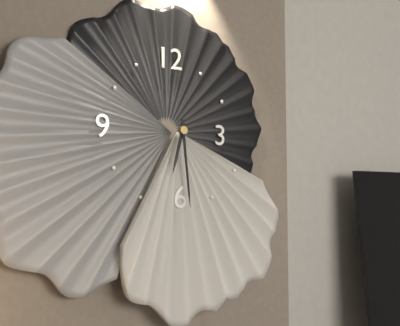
6:29
